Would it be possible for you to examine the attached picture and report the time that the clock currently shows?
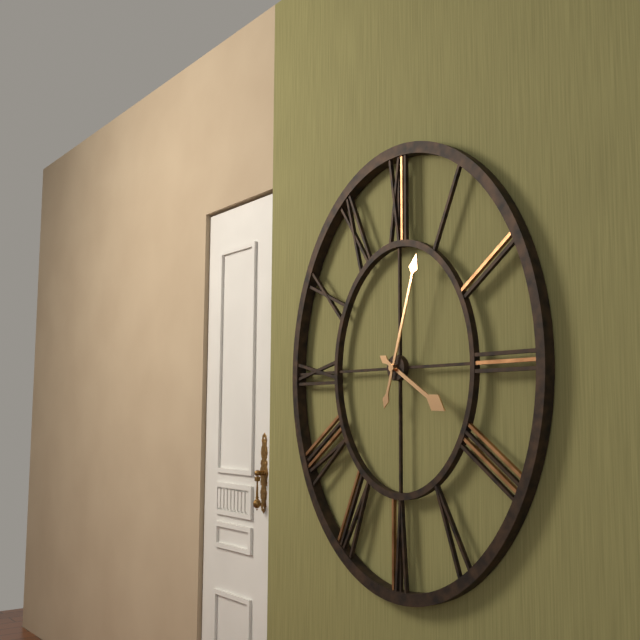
4:03
